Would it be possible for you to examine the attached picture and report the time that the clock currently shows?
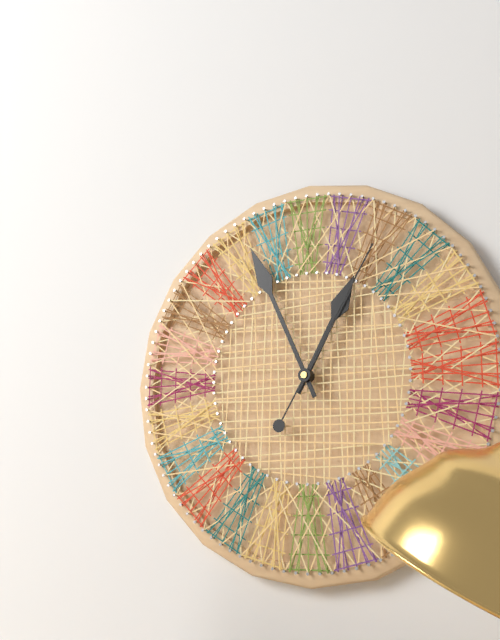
12:56:05
